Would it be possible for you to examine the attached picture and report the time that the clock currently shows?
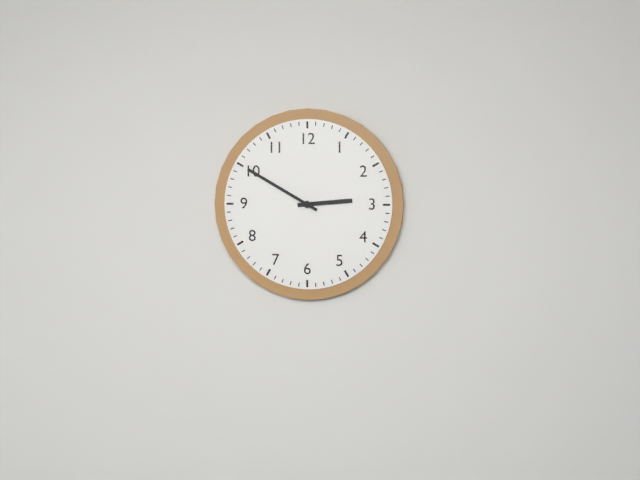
2:50
